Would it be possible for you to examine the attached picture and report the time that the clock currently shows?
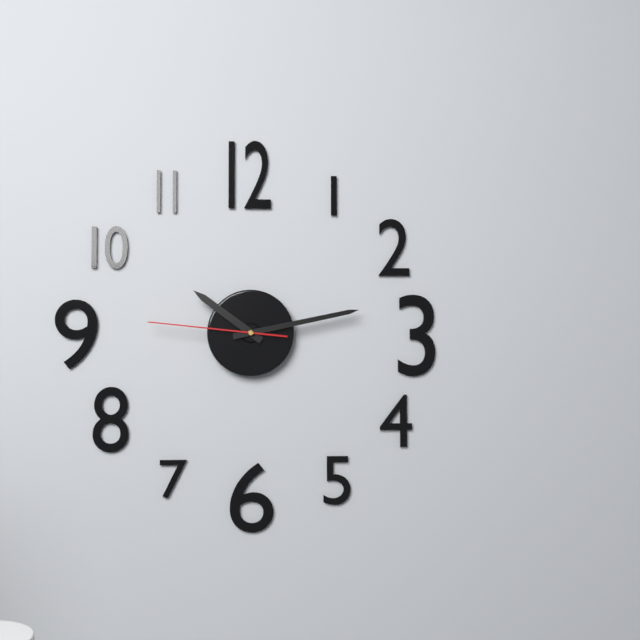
10:13:46
